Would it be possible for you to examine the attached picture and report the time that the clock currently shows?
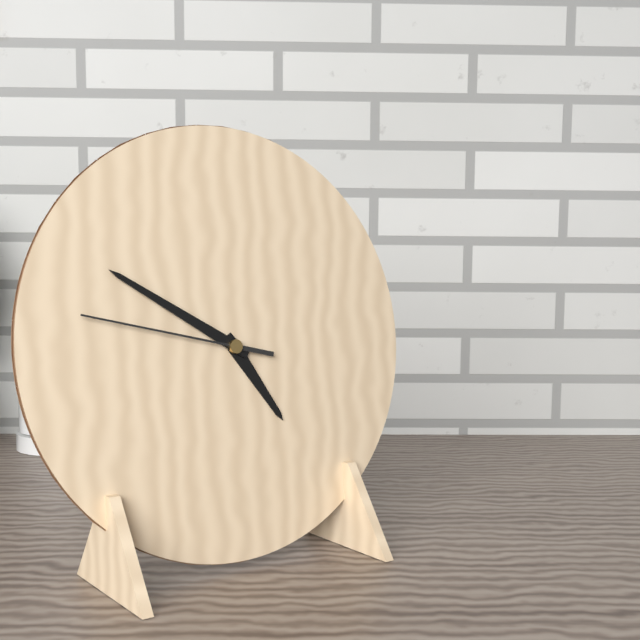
4:50:47
